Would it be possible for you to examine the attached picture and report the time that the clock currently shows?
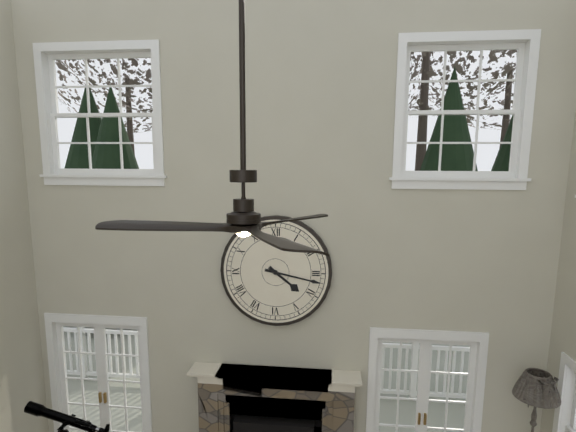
4:17
